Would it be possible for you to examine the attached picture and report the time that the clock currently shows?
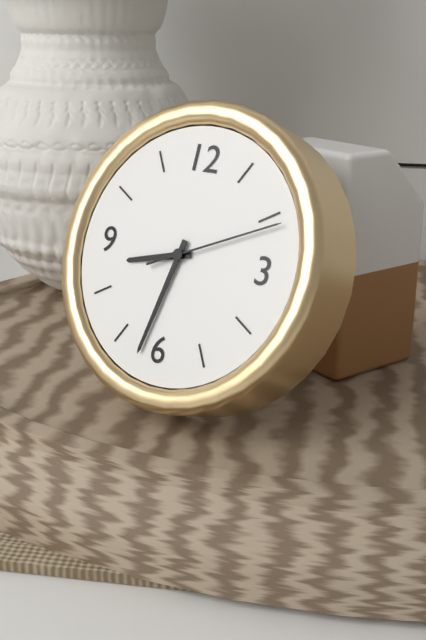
8:32:11
